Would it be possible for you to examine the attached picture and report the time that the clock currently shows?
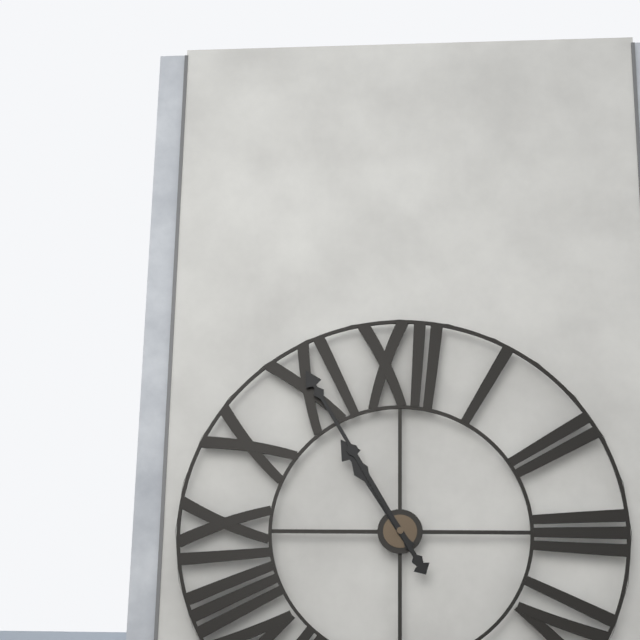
10:55
